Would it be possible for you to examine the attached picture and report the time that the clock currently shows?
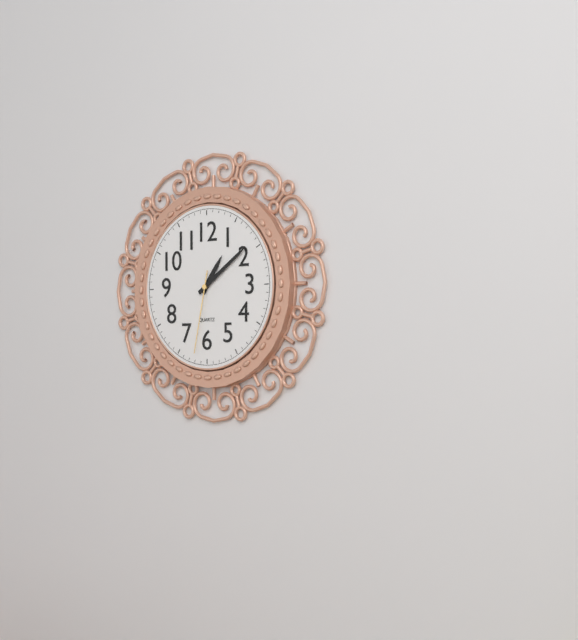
1:09:32
